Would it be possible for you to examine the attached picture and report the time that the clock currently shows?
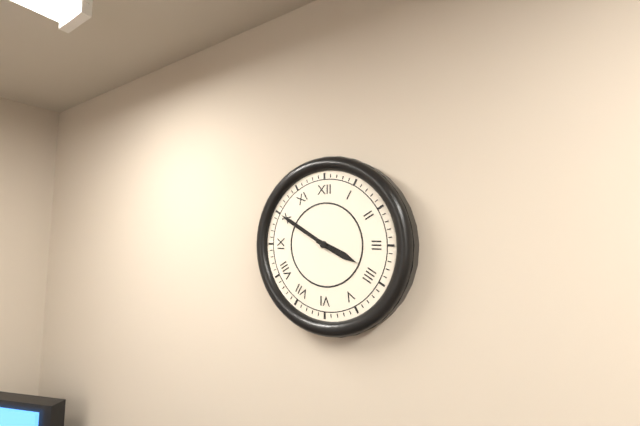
3:50
